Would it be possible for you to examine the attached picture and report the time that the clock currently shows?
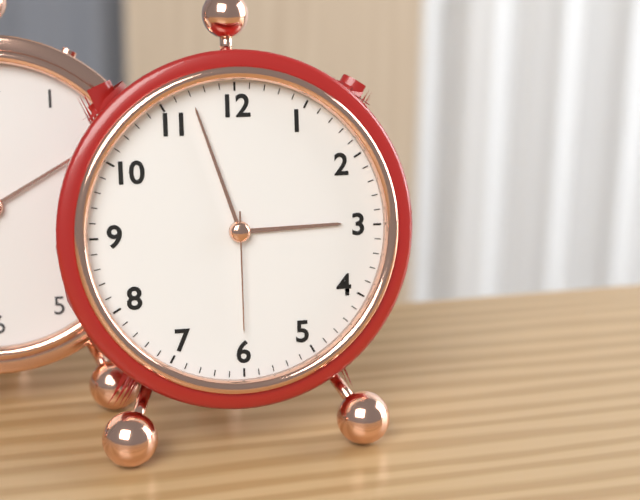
2:57:30
